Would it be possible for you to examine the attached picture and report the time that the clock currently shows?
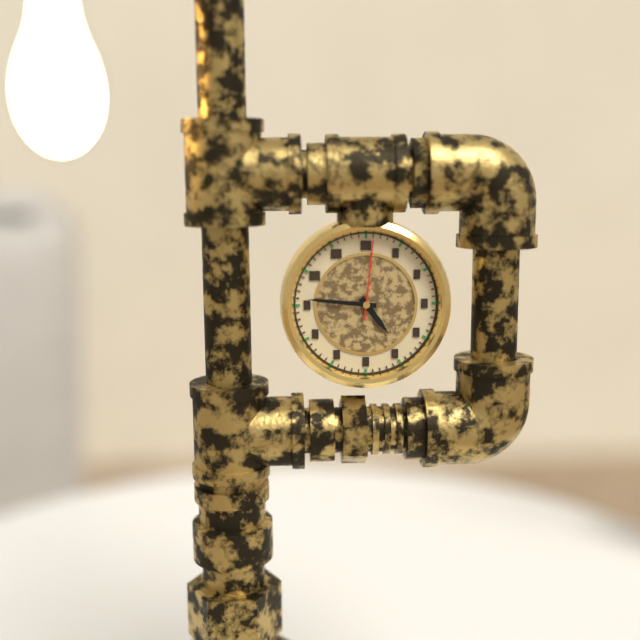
4:46:01
